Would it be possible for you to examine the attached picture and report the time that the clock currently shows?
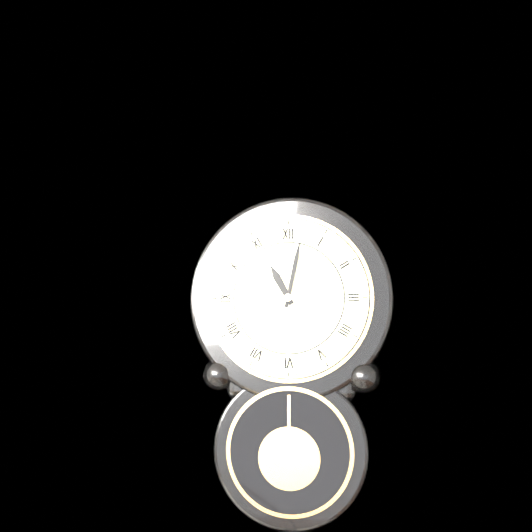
11:02
